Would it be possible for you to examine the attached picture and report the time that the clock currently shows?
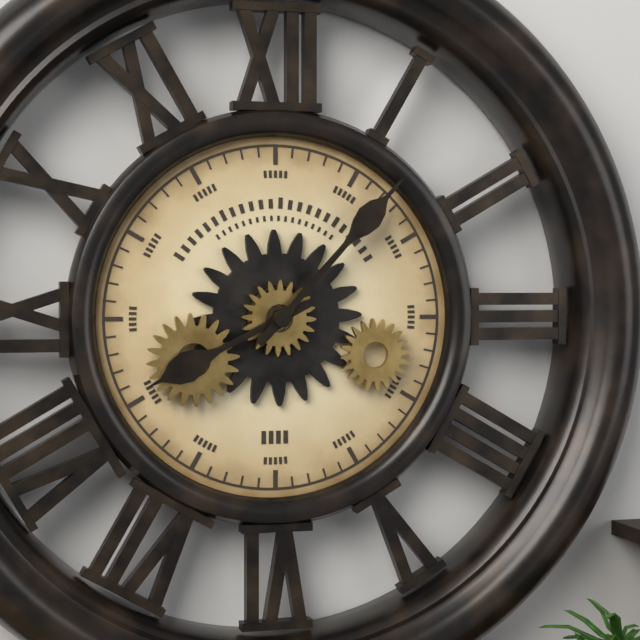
8:07
